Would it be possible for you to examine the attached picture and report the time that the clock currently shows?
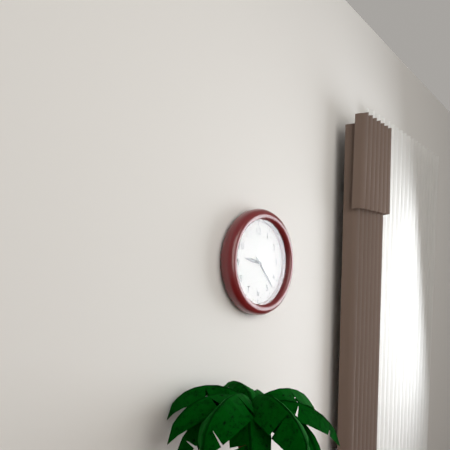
9:23
